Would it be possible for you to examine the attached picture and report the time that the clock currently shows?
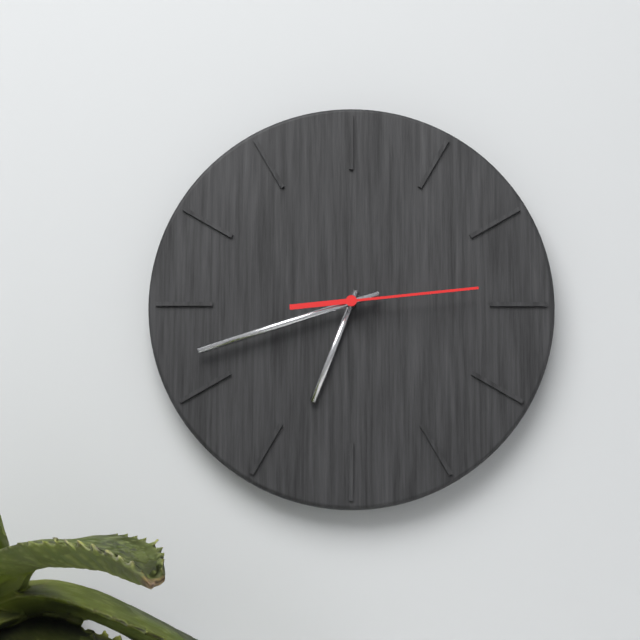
6:42:14
